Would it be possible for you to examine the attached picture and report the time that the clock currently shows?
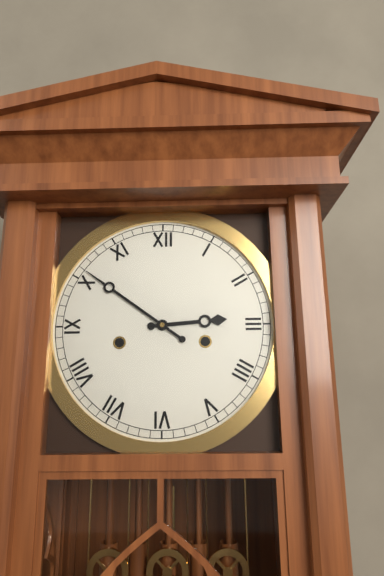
2:51
